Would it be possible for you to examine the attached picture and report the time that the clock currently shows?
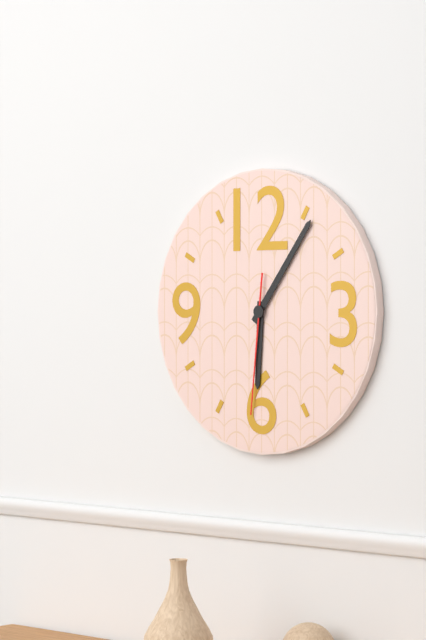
6:06:31
